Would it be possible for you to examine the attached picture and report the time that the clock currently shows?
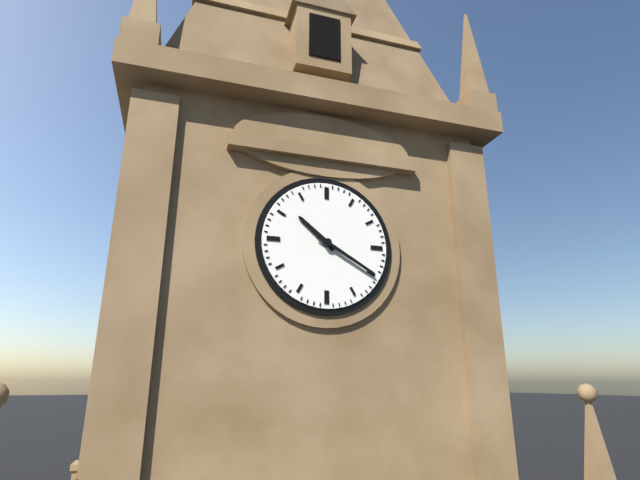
10:20
